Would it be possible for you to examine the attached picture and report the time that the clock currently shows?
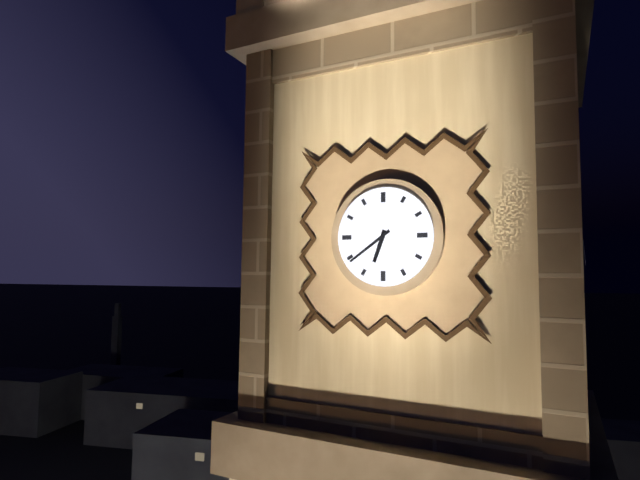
6:39
